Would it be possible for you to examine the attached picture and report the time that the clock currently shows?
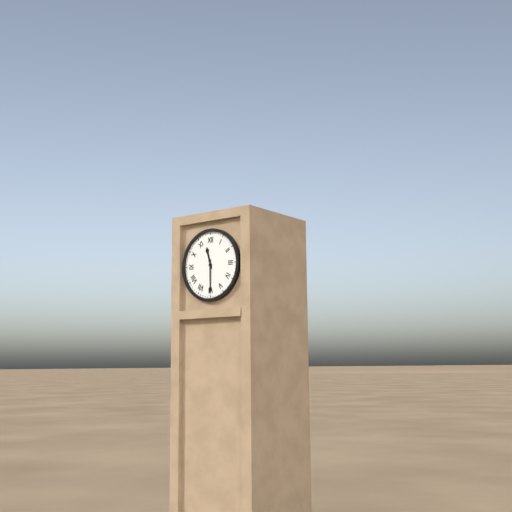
11:30
